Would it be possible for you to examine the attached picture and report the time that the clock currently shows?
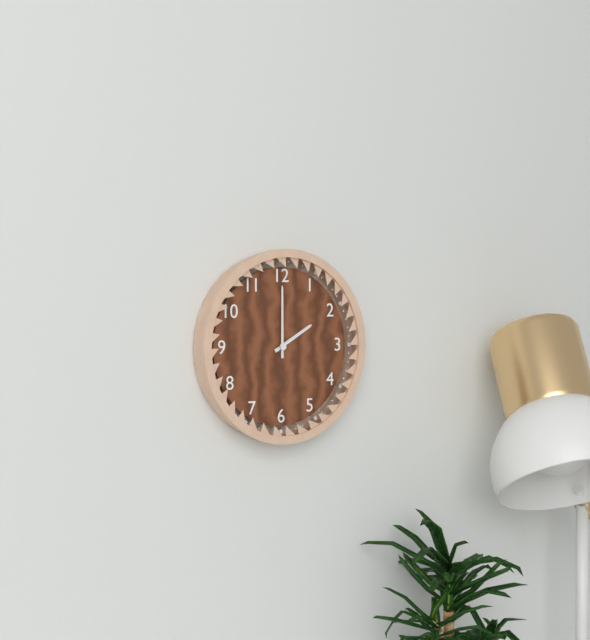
2:00
